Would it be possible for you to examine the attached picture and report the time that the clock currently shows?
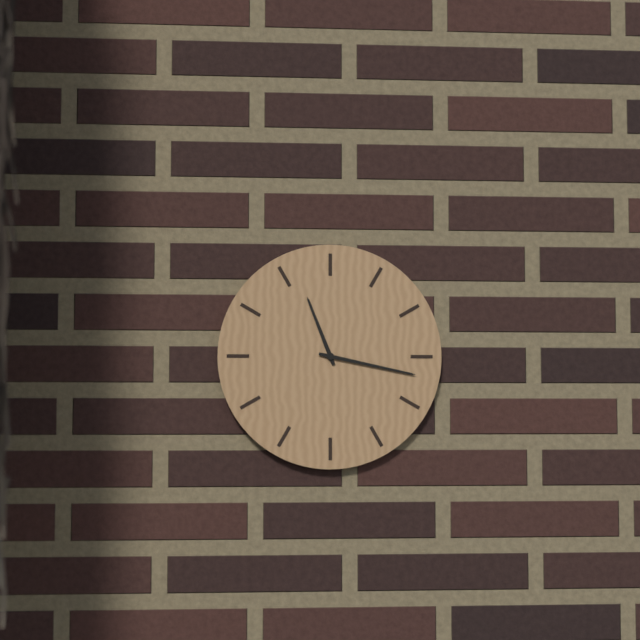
11:17
